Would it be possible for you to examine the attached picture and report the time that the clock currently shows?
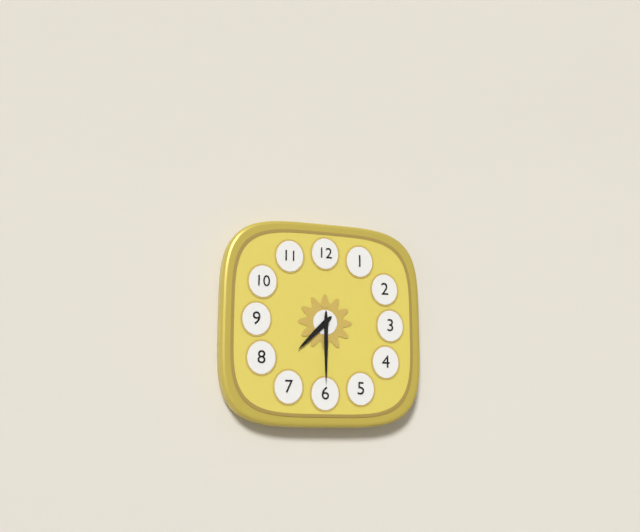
7:30
